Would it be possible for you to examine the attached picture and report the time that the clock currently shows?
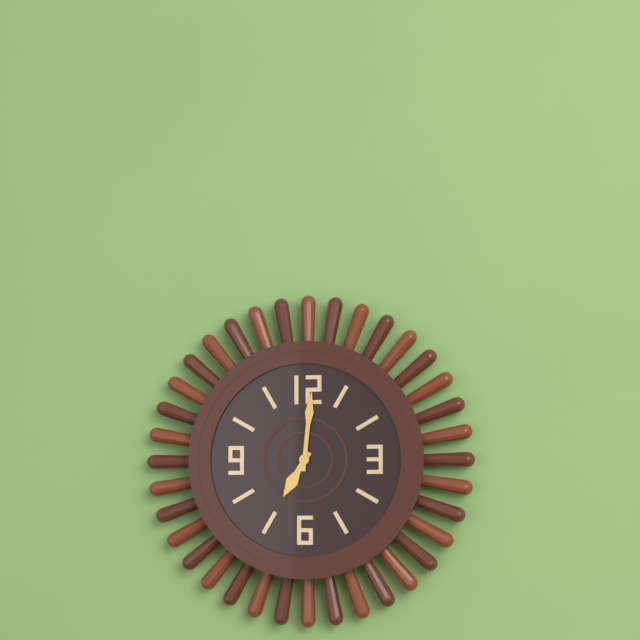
7:01
